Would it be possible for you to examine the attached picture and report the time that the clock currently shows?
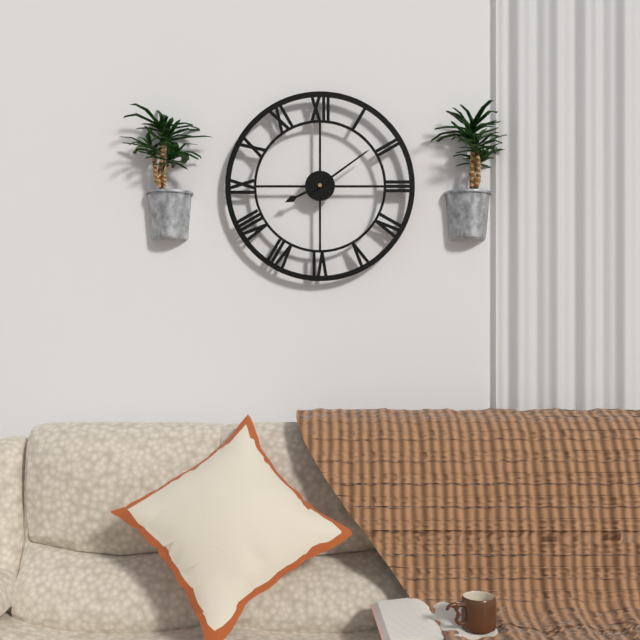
8:09
